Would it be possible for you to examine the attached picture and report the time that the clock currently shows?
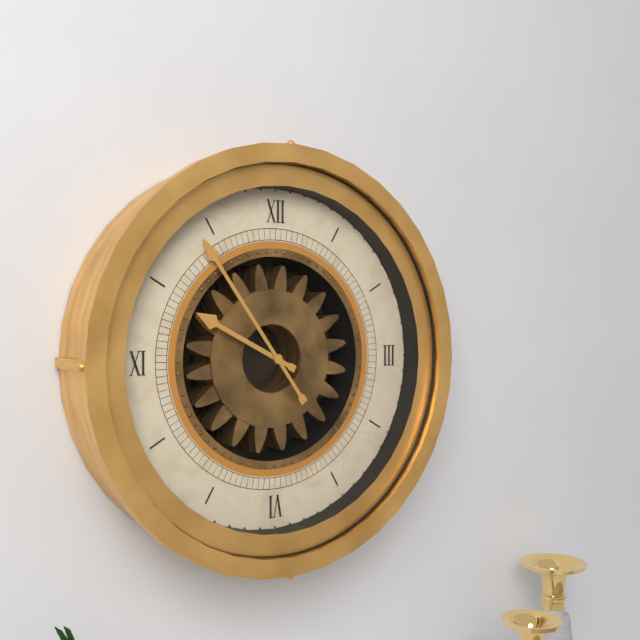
9:54
